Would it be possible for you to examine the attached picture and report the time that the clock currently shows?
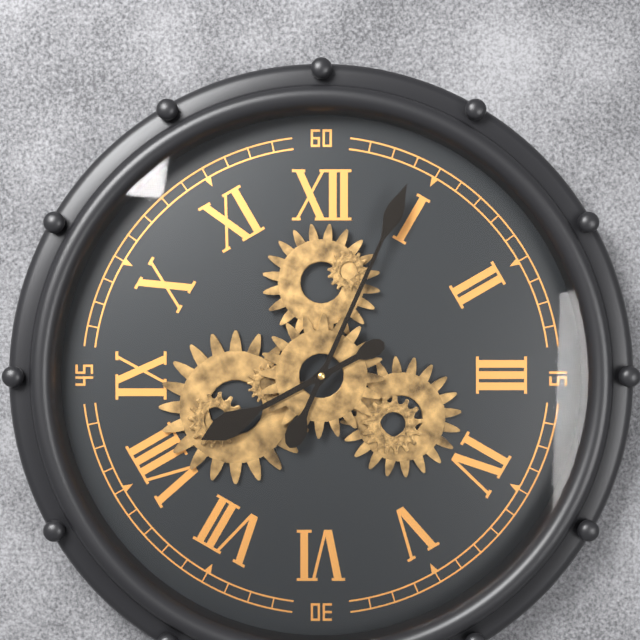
8:04
